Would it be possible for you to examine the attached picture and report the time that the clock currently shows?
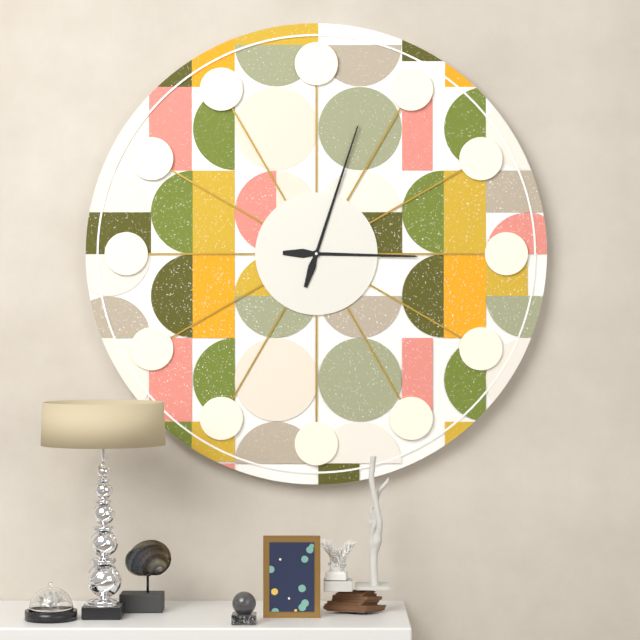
3:03
